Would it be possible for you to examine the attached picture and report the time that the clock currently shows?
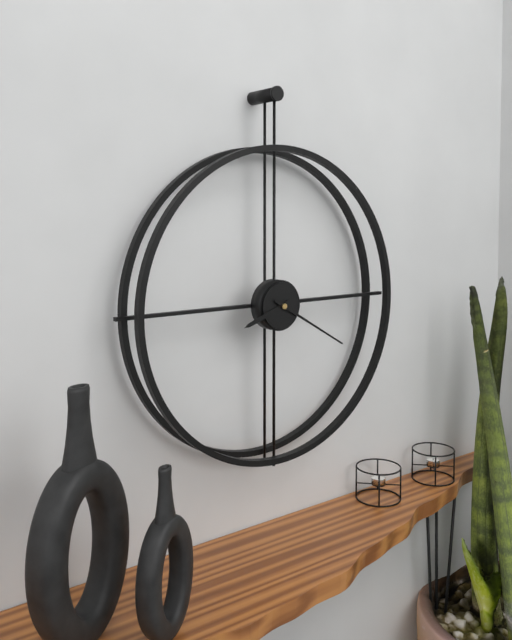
8:20
